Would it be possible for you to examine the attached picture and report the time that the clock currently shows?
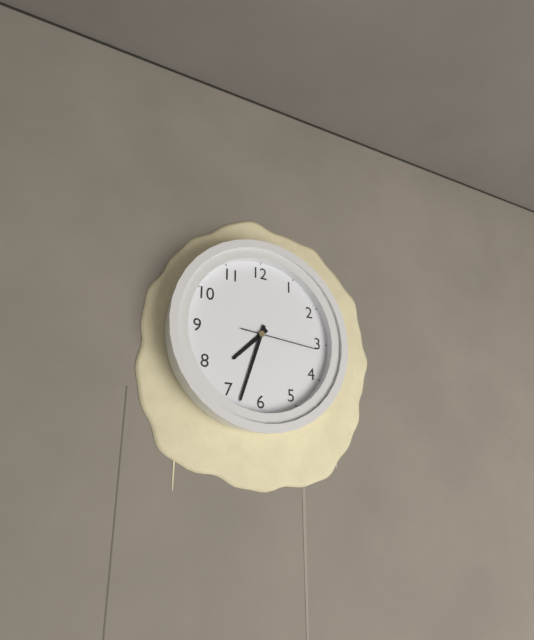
7:33:16
